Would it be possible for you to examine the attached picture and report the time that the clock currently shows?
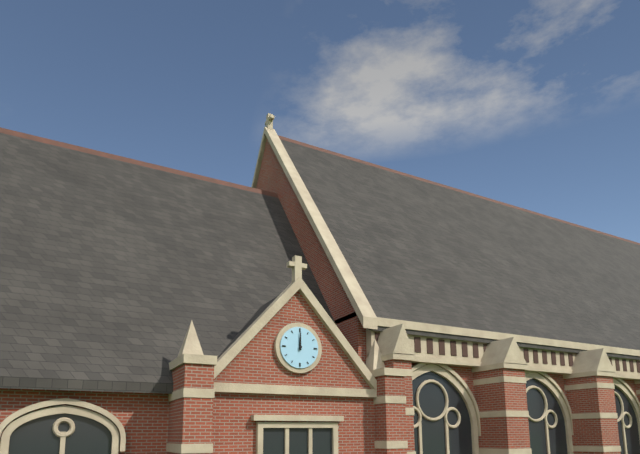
12:00
